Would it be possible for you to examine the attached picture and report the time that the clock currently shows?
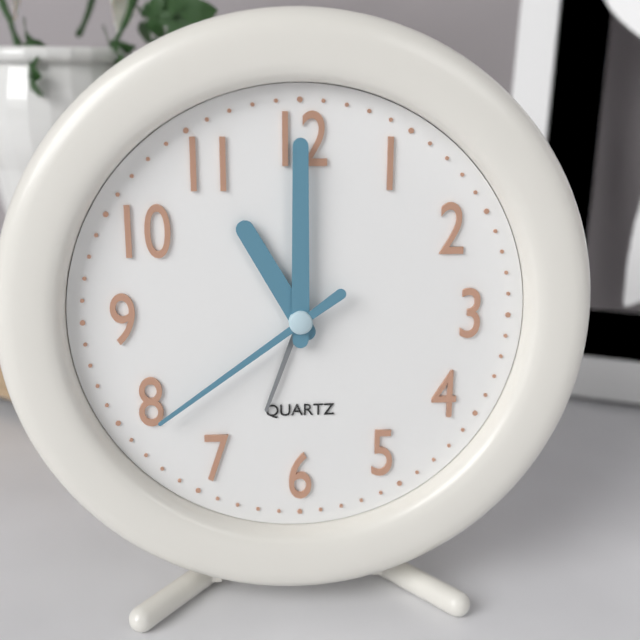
11:00:39
